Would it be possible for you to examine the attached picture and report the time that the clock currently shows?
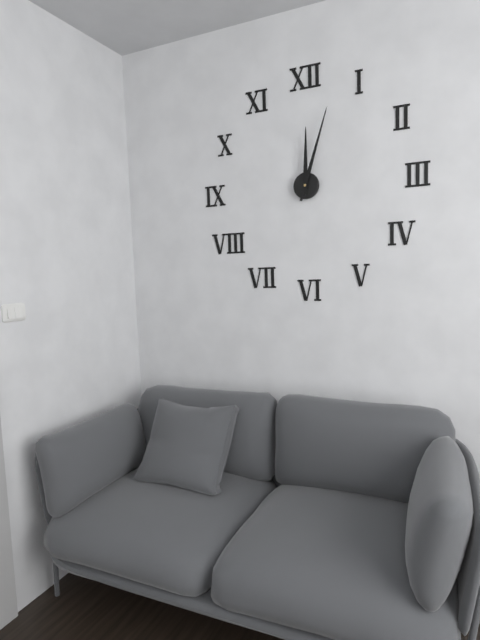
12:03
